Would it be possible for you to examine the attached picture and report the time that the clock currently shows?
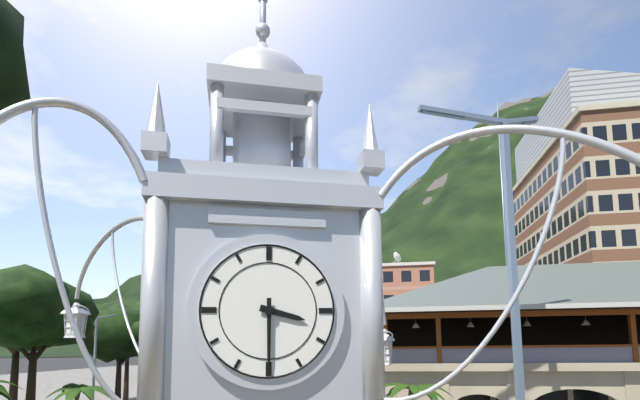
3:30
